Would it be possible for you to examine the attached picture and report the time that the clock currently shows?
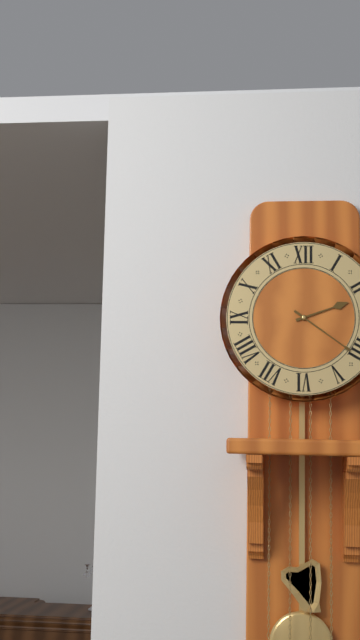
2:21
